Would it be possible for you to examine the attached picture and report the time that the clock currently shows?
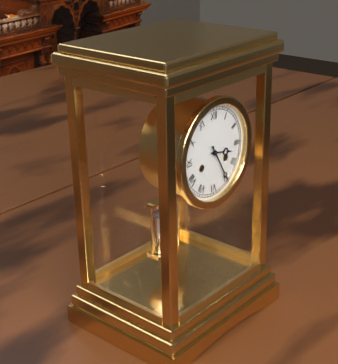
3:25
